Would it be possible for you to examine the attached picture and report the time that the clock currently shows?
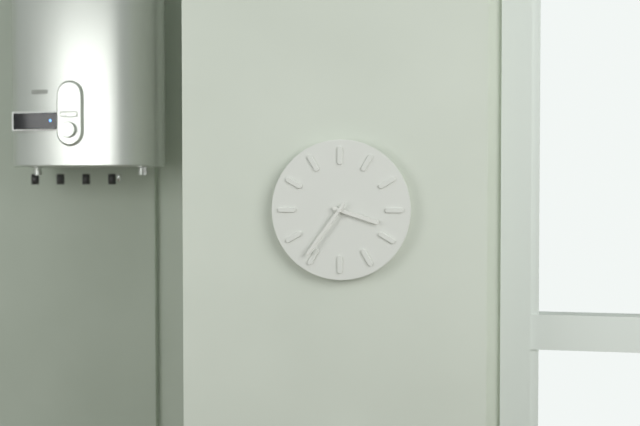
3:36
